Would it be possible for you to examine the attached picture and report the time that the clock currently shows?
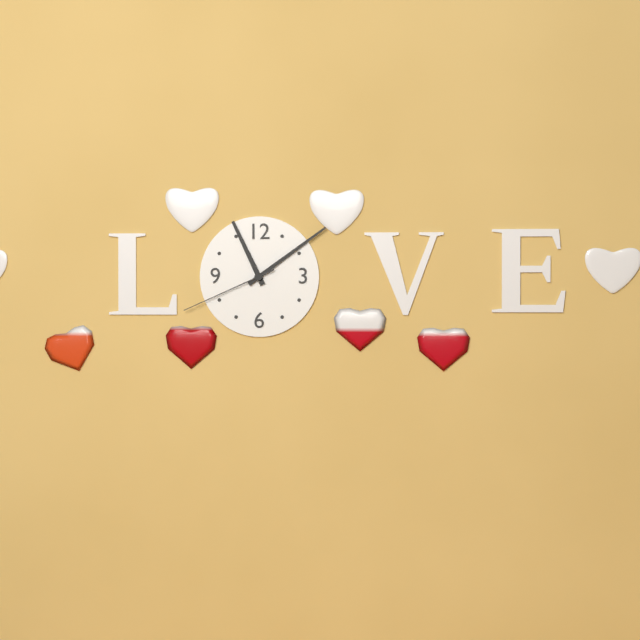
11:09:41
